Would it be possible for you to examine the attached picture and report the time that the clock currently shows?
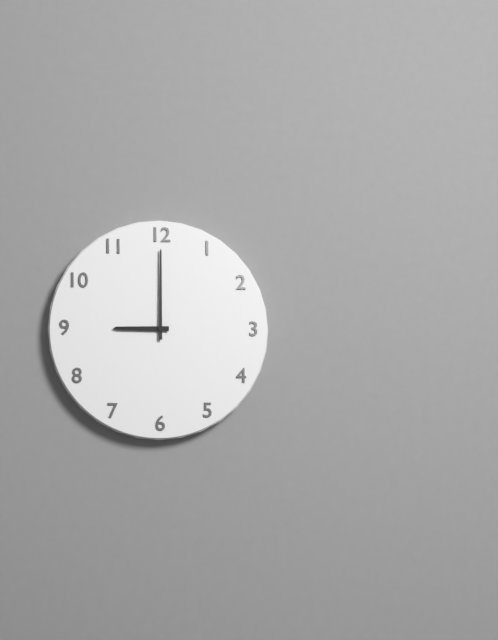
9:00
